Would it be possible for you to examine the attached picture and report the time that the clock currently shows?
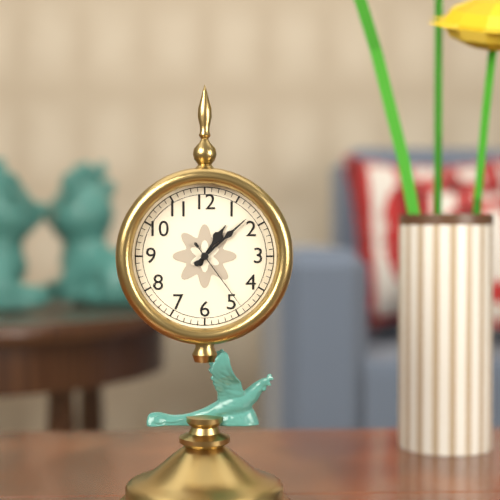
1:08:24
